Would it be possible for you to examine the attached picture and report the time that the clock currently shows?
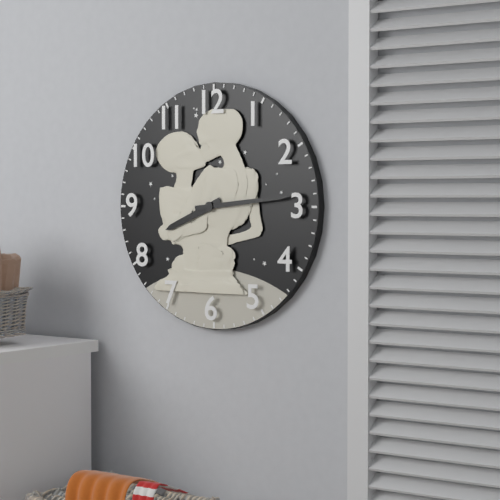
8:14
